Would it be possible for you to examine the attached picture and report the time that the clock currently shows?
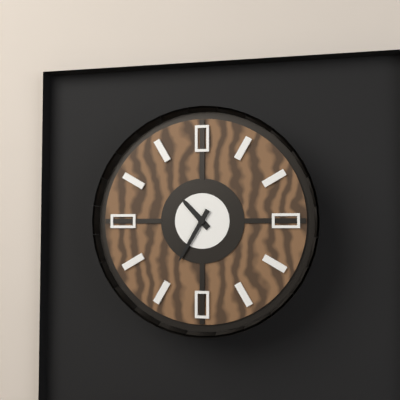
10:35
